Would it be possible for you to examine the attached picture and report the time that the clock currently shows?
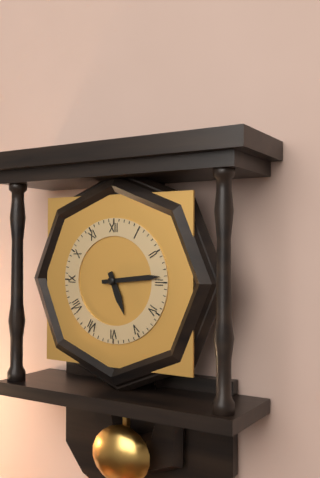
5:14
